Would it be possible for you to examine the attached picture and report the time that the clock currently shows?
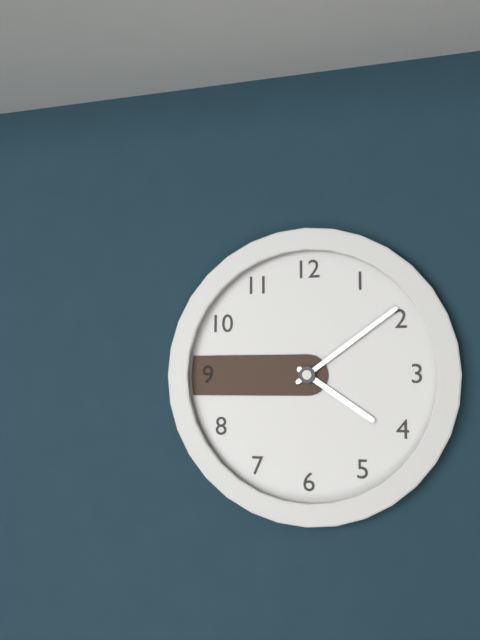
4:09
